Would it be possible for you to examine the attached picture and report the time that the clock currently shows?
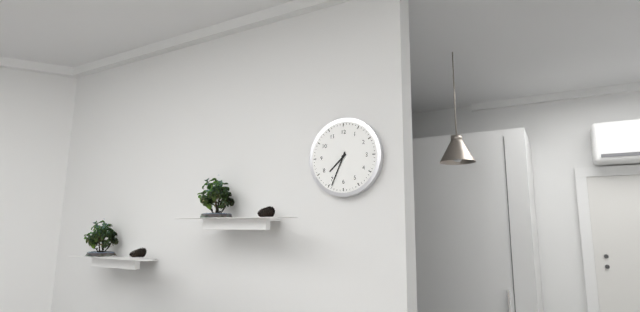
7:34
